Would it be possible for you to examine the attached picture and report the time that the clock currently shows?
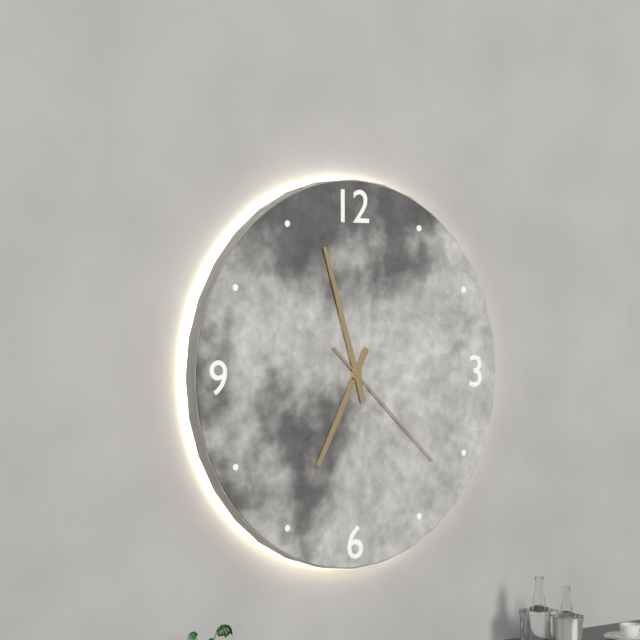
6:57:22
